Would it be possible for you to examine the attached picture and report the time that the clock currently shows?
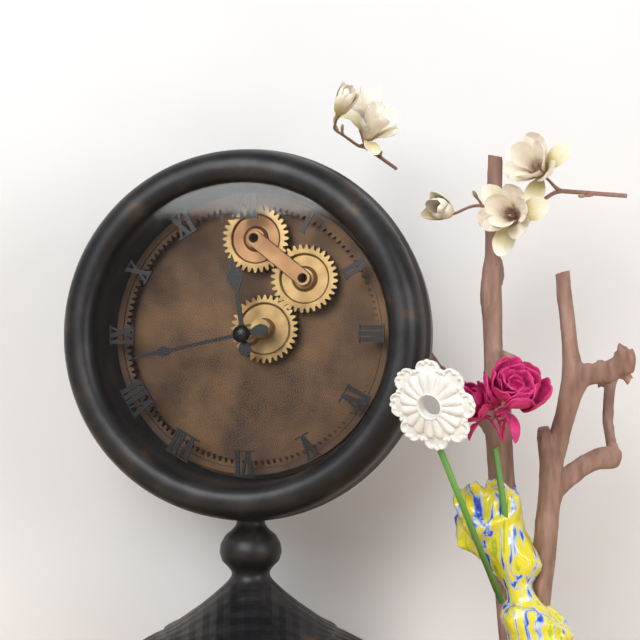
11:43
